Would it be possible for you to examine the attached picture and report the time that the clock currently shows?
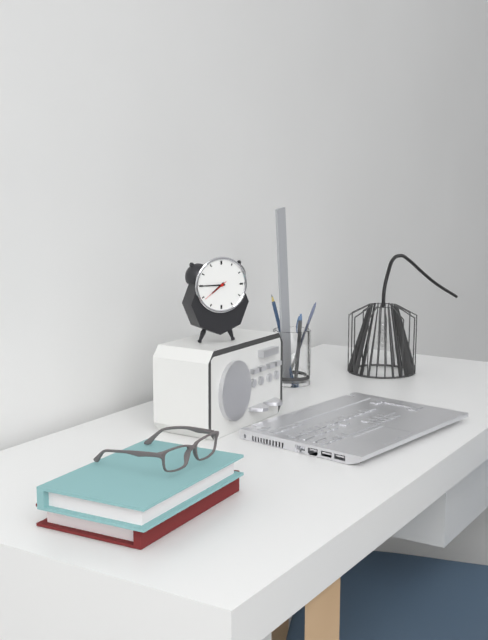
7:45
